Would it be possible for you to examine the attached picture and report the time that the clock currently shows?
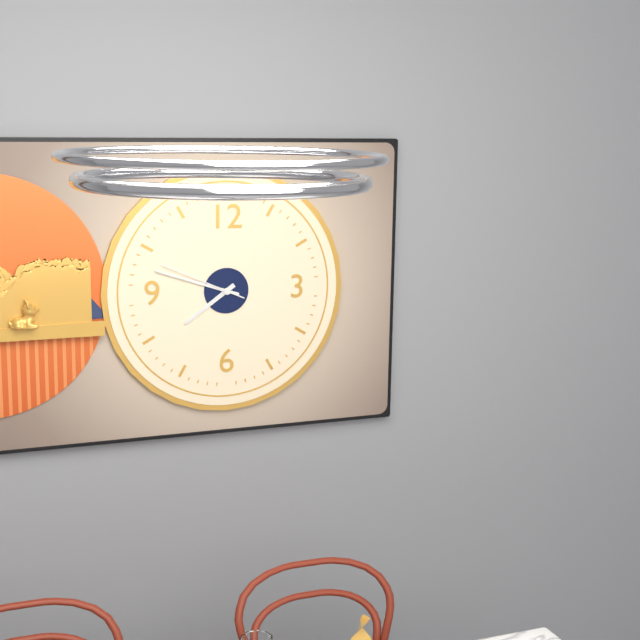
7:48:49
